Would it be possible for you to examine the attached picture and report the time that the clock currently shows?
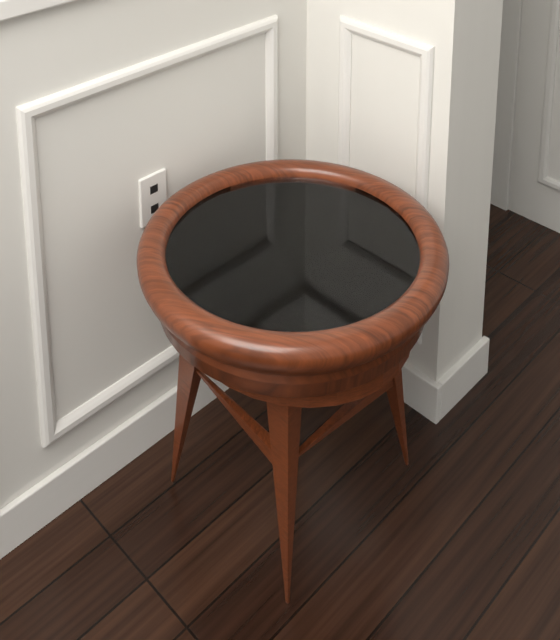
12:06
